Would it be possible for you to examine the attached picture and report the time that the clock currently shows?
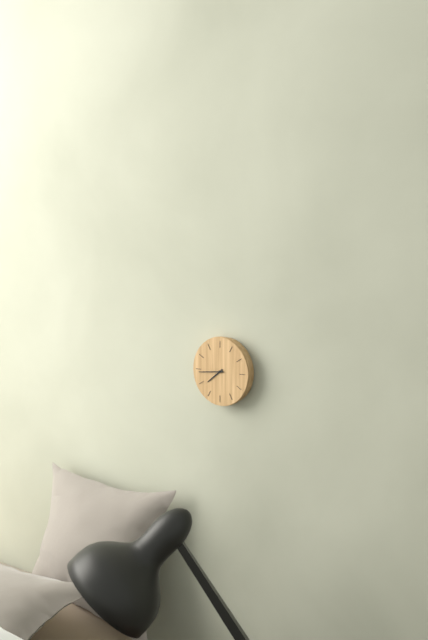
7:44
